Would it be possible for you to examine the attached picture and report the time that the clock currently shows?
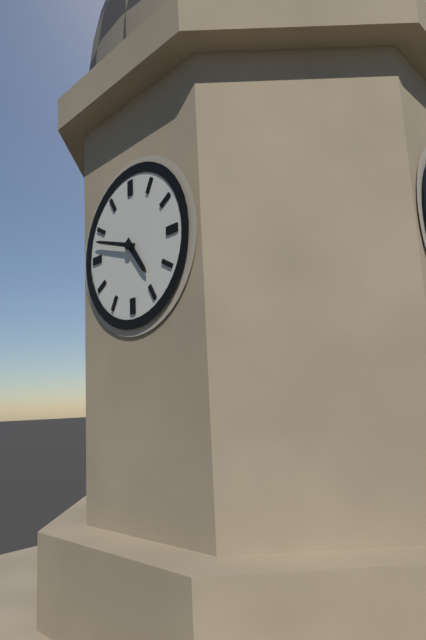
4:48
